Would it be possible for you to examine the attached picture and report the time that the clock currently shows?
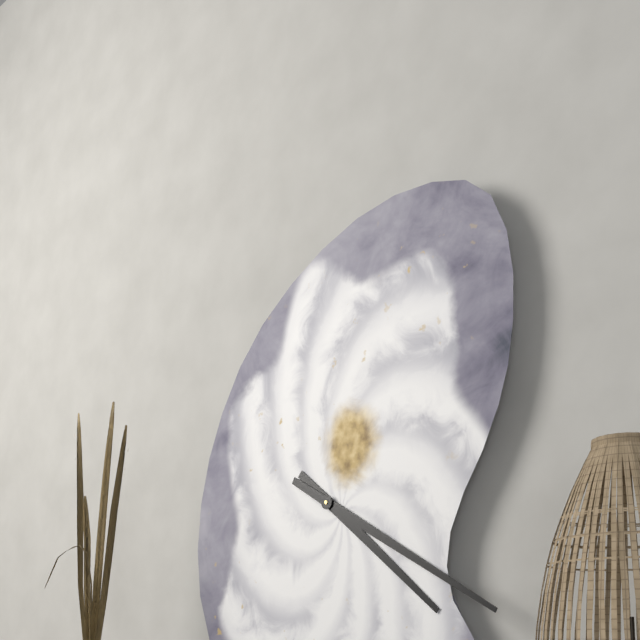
4:20
